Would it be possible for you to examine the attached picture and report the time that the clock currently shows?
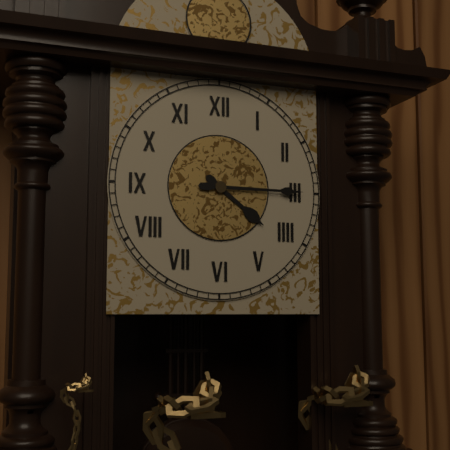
4:15
